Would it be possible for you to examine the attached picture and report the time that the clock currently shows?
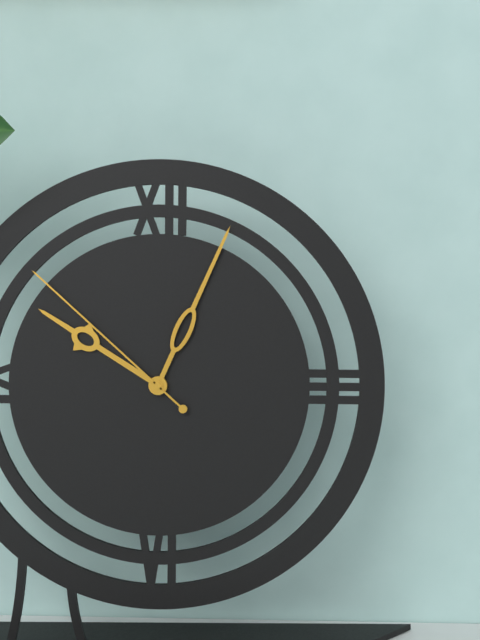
10:04:52
